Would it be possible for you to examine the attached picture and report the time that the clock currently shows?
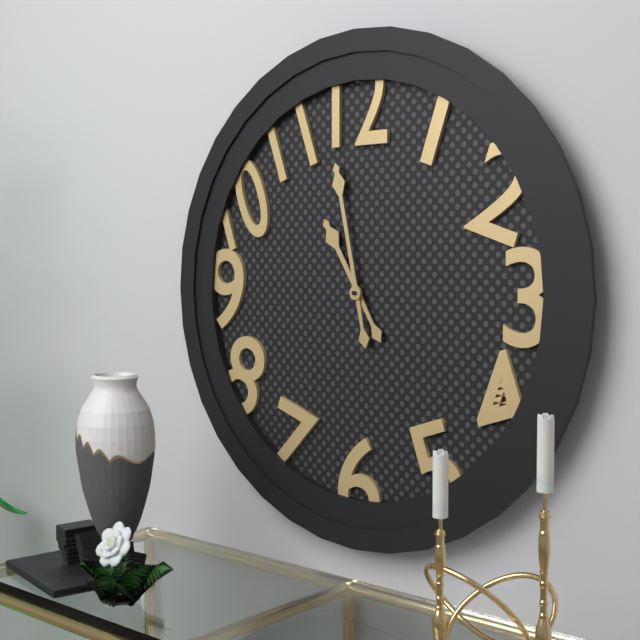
10:58
